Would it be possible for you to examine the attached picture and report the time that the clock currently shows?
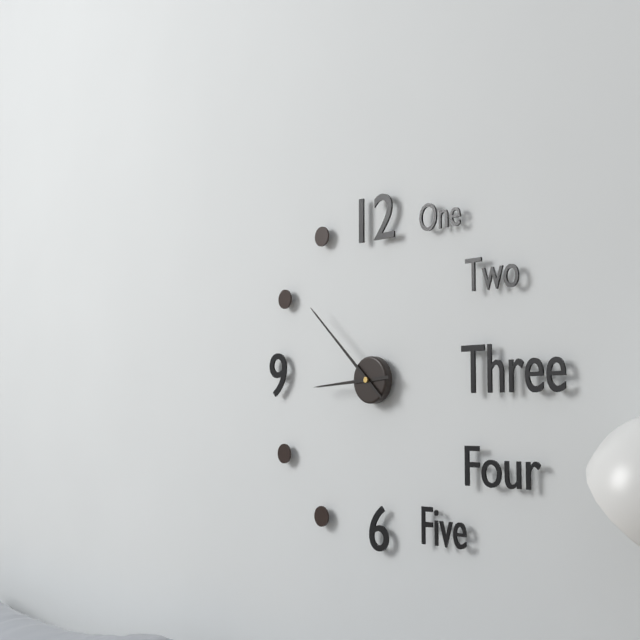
8:52
